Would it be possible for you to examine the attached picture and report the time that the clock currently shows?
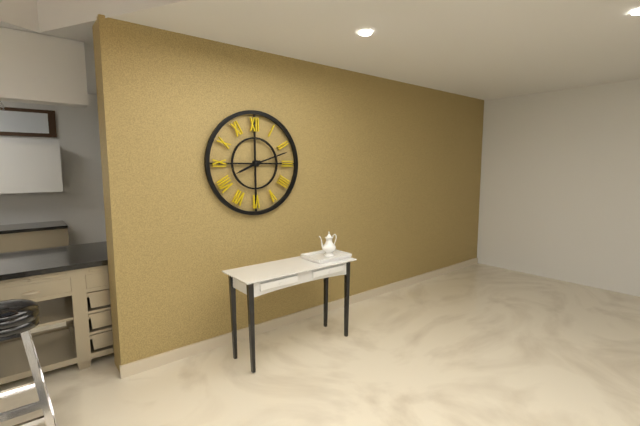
8:12
